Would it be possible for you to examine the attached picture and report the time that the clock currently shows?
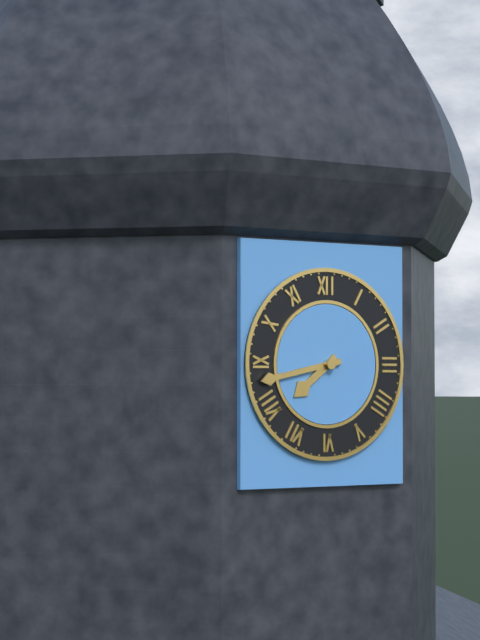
7:43
